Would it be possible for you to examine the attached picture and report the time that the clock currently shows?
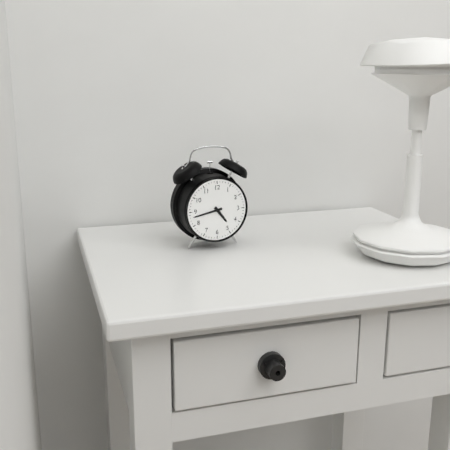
4:43
